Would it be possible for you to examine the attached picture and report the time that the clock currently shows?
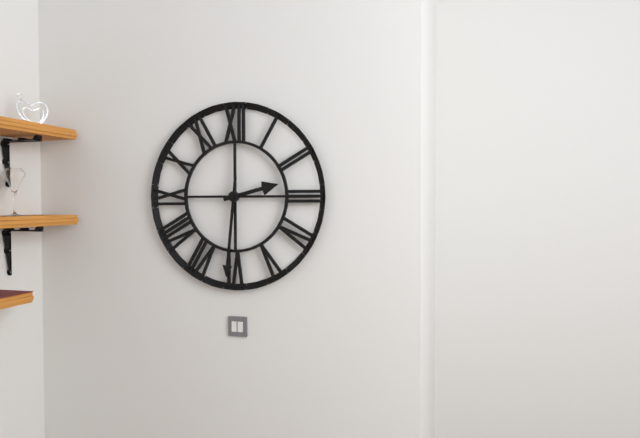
2:31
